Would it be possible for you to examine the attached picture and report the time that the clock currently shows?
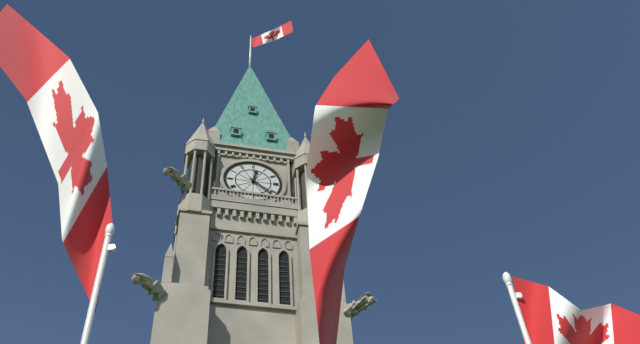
12:22
